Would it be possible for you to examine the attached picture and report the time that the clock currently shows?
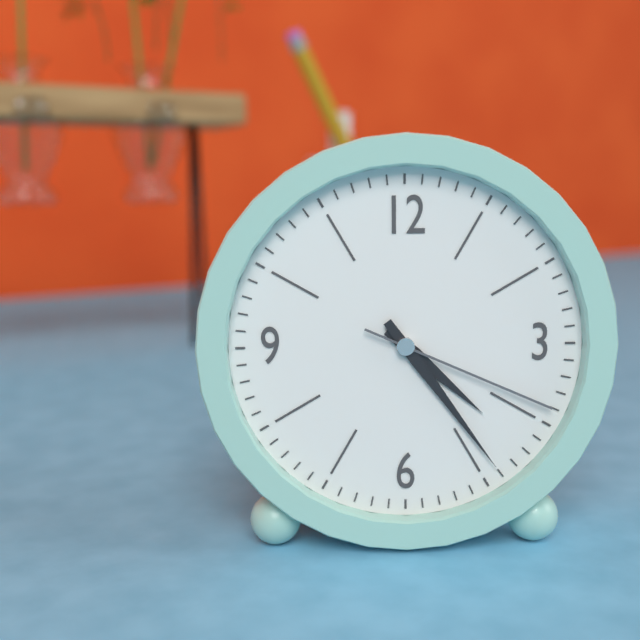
4:24:19
